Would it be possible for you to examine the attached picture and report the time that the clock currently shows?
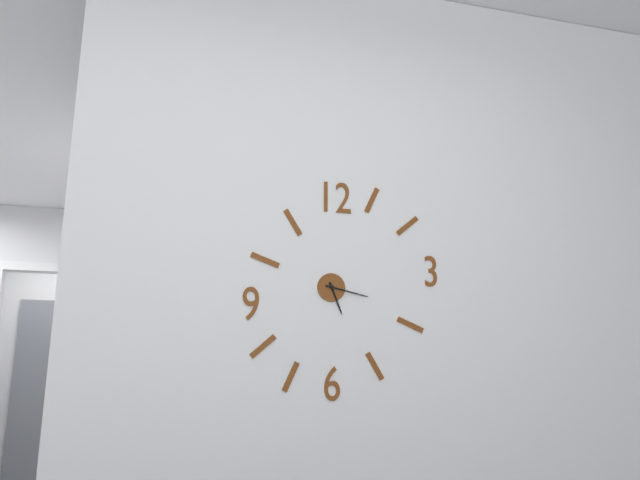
5:17
